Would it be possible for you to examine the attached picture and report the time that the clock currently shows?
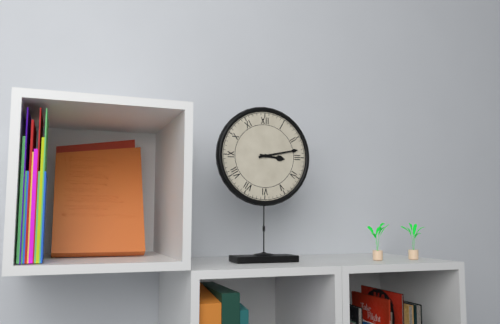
3:13
